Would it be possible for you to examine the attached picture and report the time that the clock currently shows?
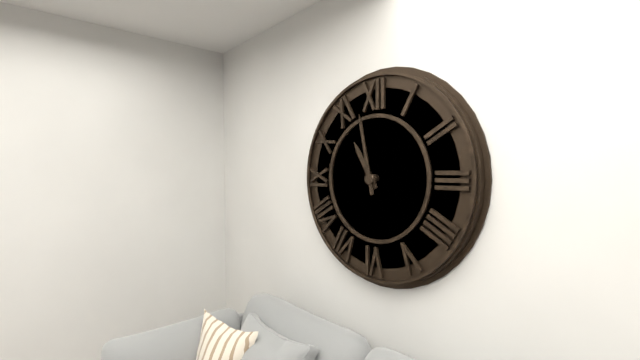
10:58
